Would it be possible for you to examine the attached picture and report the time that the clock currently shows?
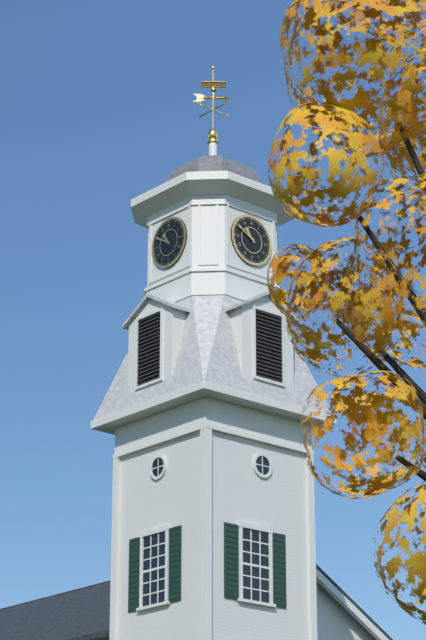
10:50
